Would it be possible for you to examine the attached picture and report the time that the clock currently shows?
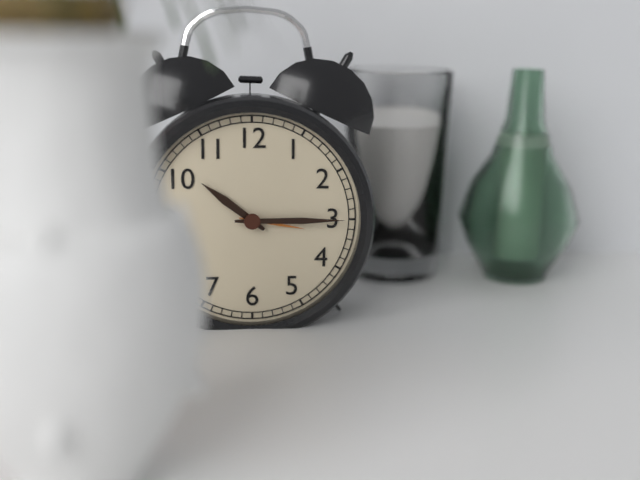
10:15
